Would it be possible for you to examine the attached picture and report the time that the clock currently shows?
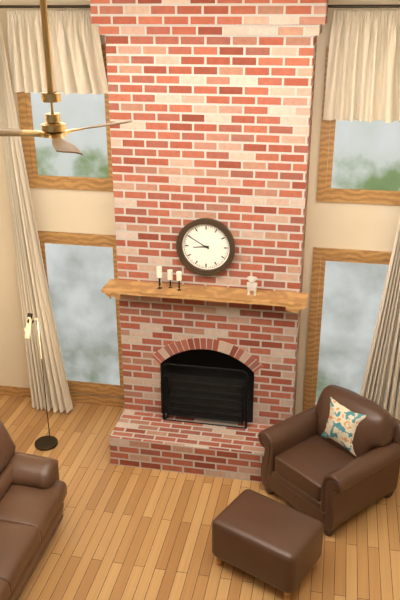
8:50
